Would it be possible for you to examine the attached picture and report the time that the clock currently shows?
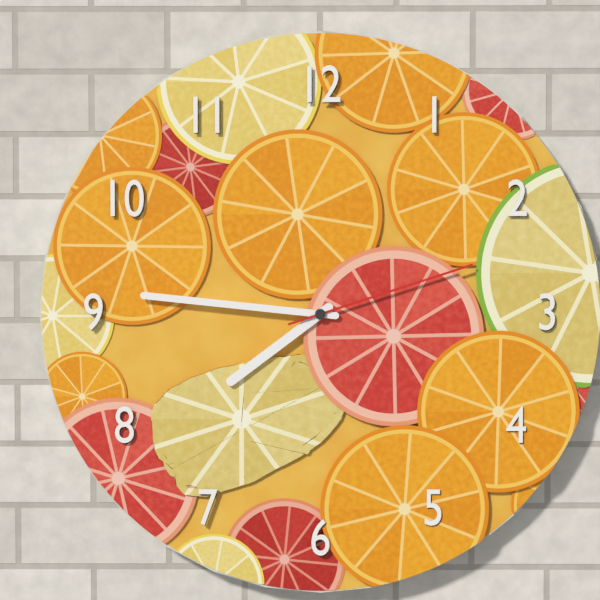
7:46:12
